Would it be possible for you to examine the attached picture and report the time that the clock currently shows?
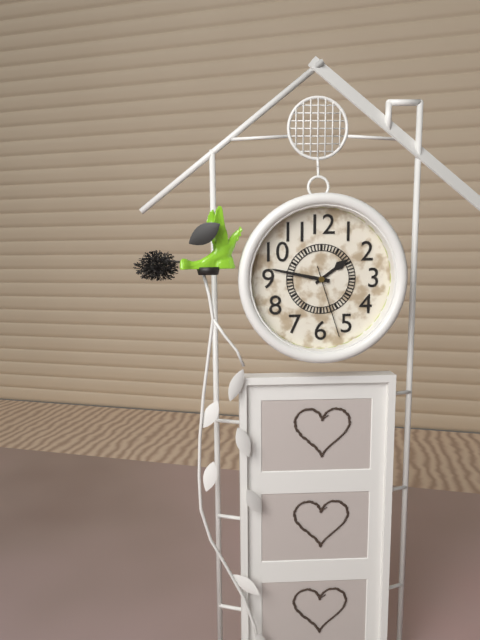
1:47:27
